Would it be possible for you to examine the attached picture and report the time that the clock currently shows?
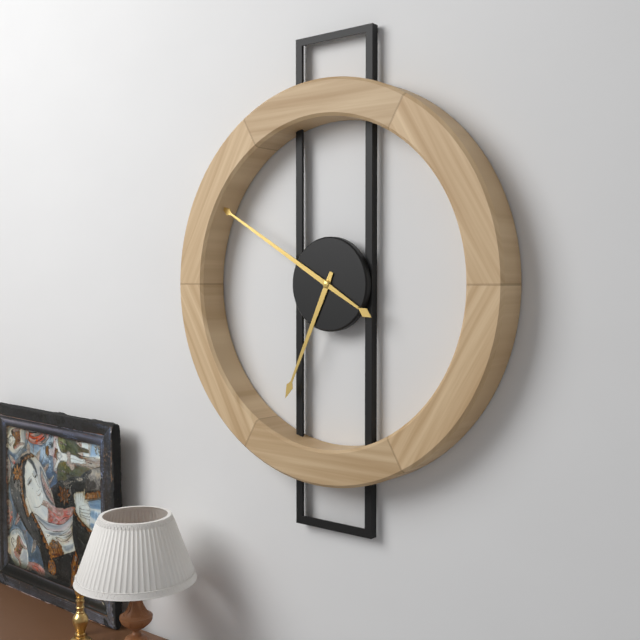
6:50
